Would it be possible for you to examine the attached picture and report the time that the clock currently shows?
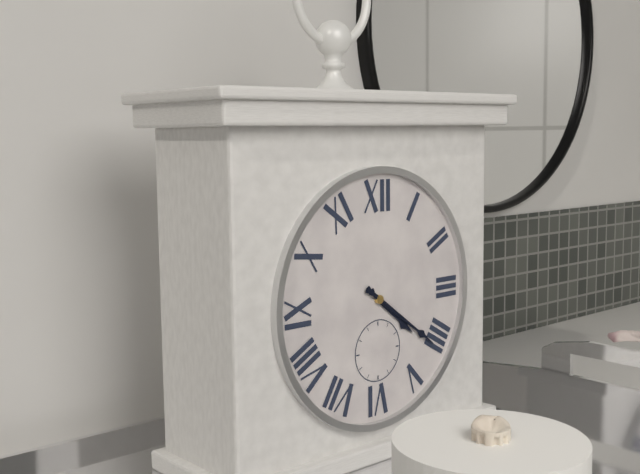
4:21
